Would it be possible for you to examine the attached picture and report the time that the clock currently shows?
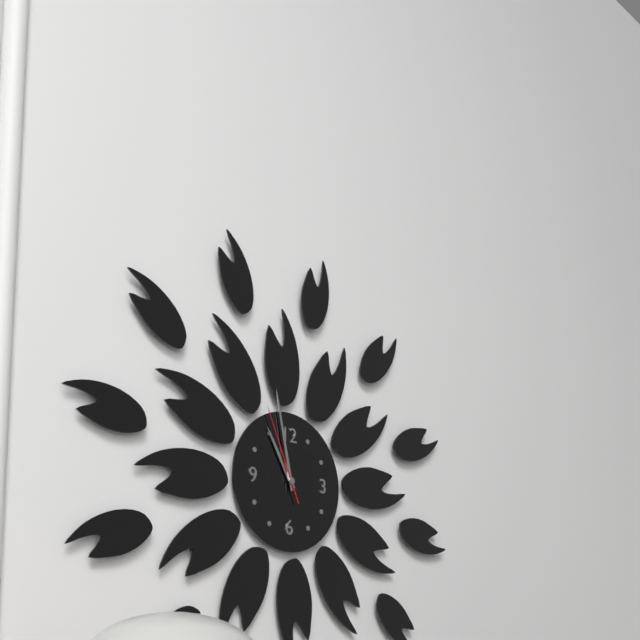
10:58:56
